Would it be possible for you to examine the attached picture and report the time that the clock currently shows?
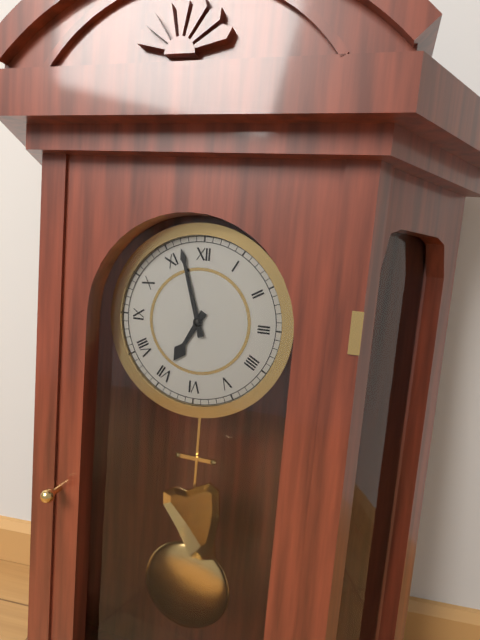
6:57
